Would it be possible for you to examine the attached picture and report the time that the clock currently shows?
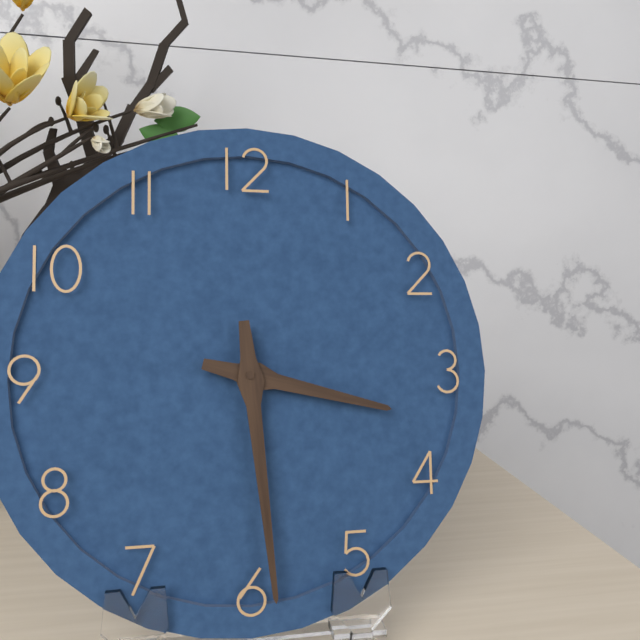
3:29
